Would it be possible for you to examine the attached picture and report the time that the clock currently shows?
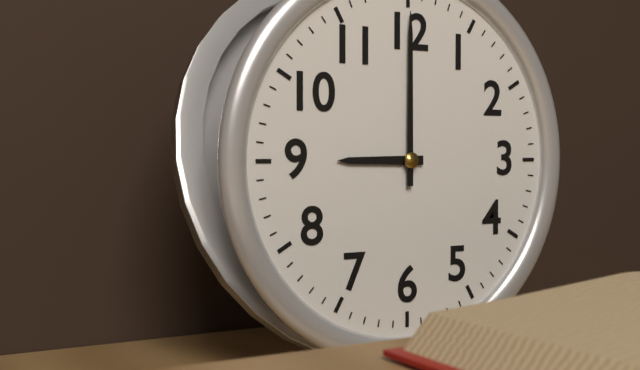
9:00
